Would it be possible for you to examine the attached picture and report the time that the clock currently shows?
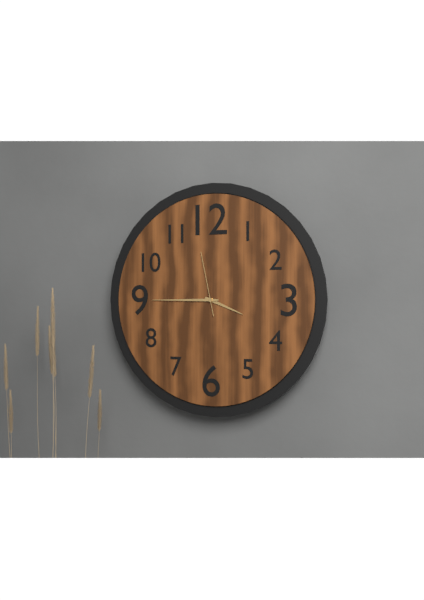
3:45:58
